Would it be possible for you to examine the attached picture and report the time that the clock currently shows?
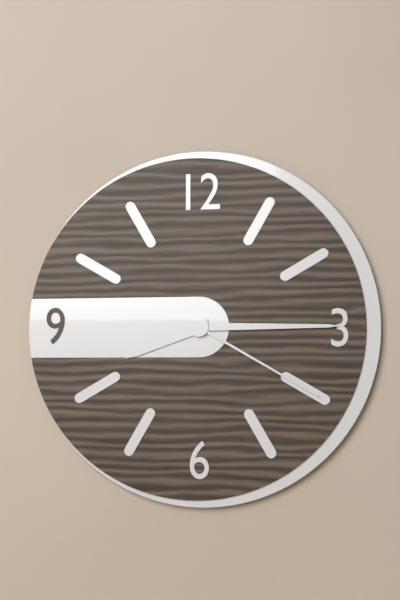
8:15:20
